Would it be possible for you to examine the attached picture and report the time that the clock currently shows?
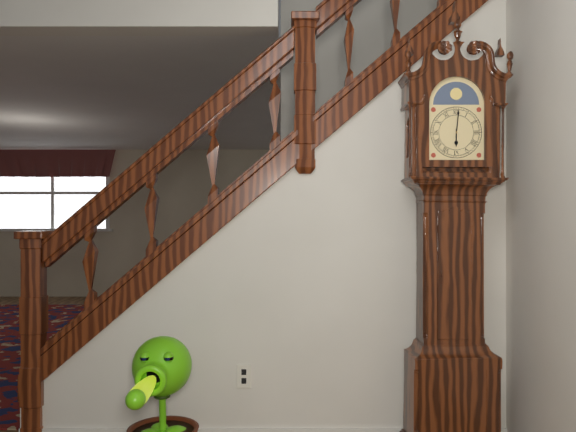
6:01
